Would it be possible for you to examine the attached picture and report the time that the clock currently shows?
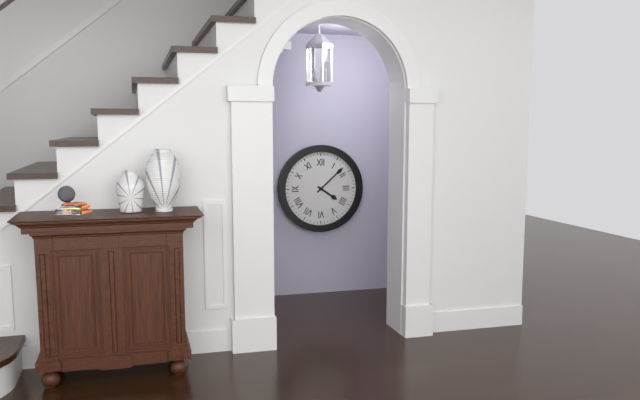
4:08
